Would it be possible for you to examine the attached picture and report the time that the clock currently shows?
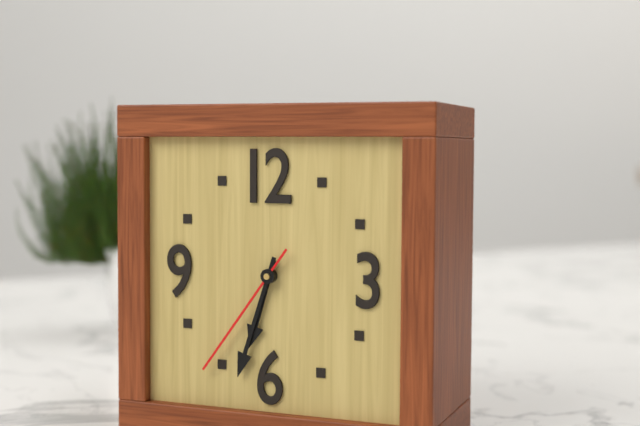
6:33:36
